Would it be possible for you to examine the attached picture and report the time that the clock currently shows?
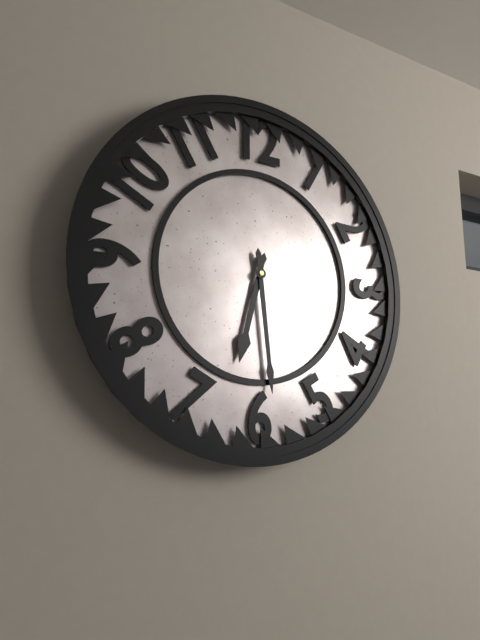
6:29
